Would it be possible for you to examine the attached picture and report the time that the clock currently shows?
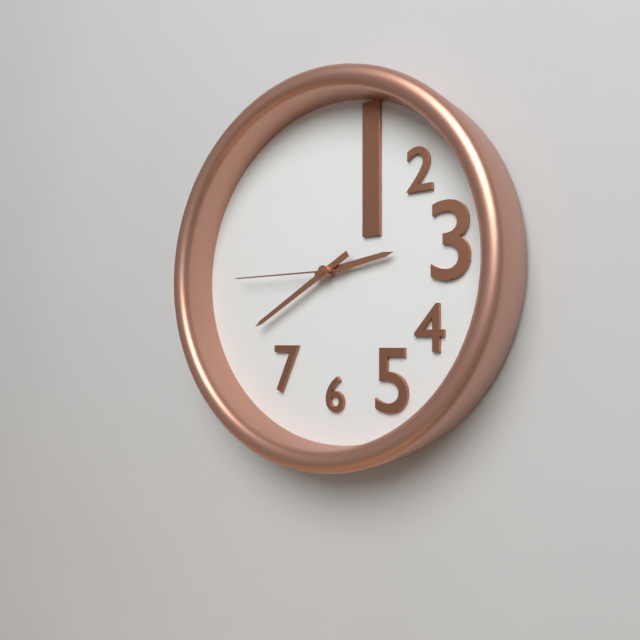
2:40:45
